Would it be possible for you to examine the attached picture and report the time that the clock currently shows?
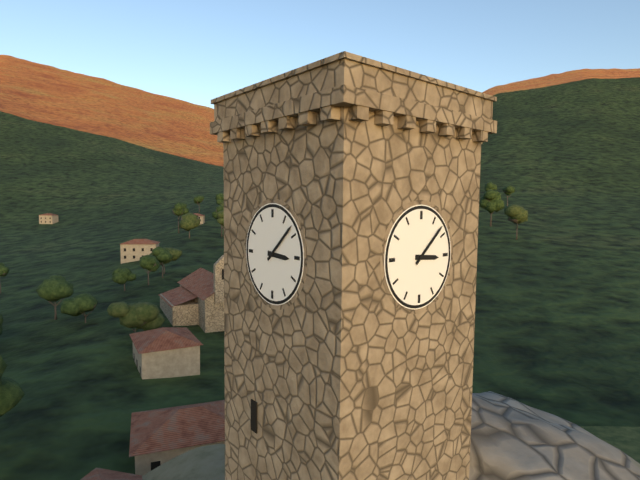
3:08
